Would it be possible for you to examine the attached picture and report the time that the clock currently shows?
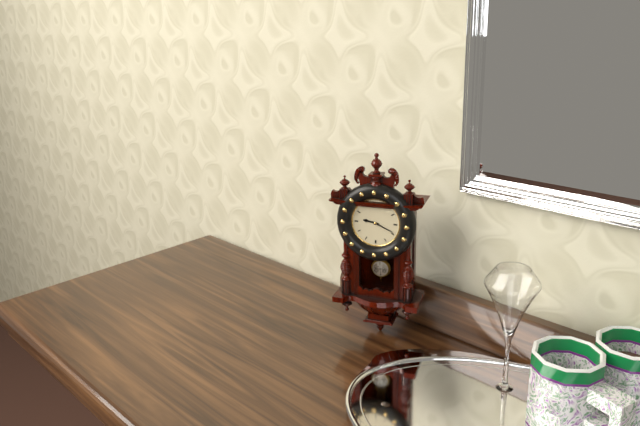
9:19
